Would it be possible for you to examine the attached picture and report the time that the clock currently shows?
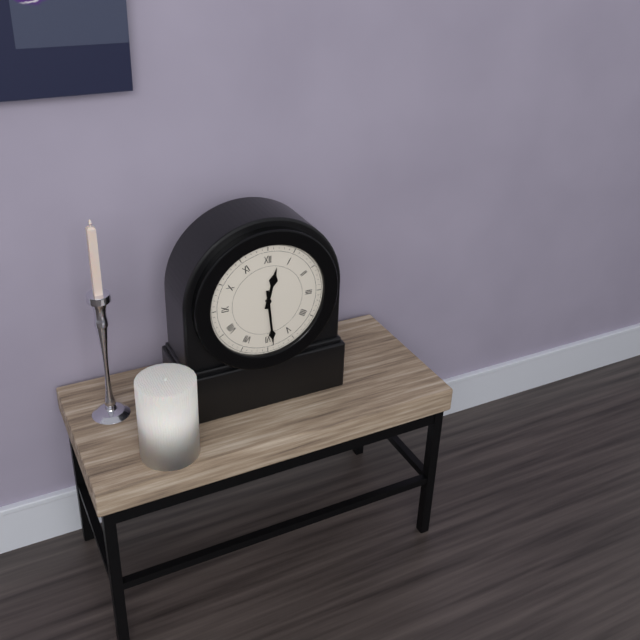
12:29
